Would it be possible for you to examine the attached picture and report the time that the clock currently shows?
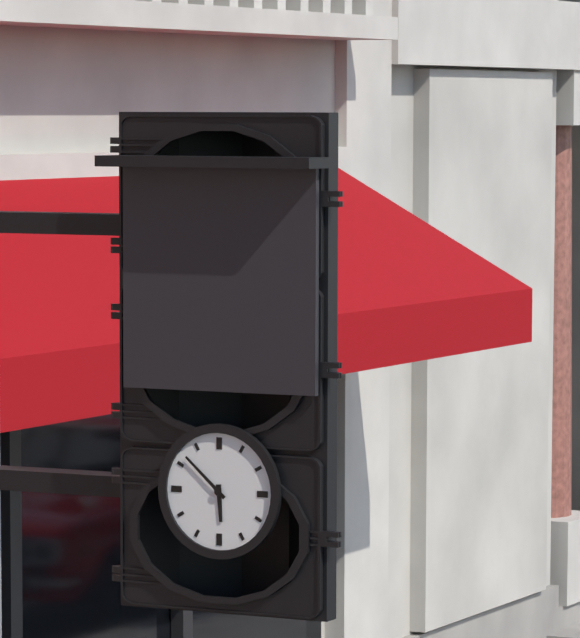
5:52
